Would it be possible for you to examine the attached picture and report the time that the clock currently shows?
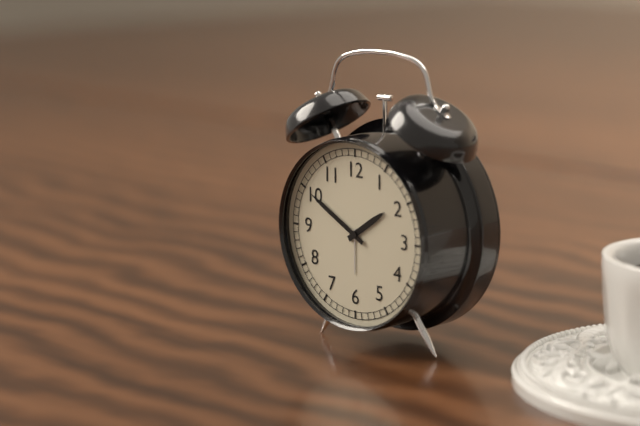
1:50
